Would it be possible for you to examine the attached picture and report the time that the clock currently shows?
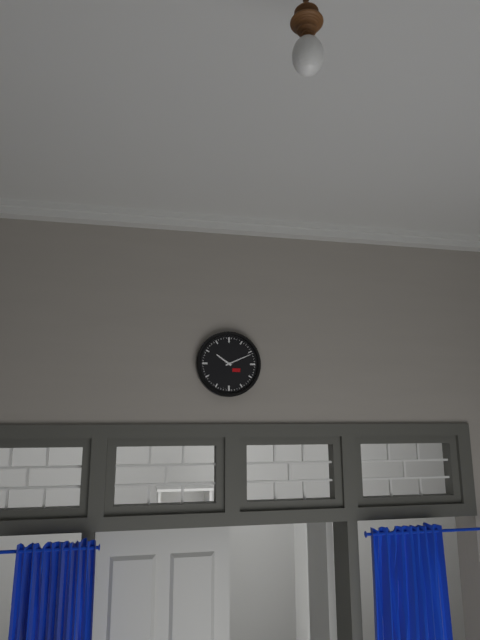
10:11
